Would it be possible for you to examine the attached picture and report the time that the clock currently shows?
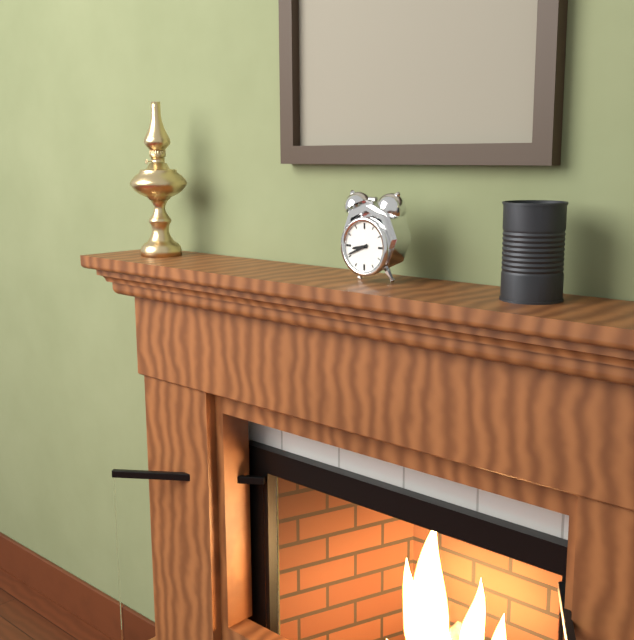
8:41
